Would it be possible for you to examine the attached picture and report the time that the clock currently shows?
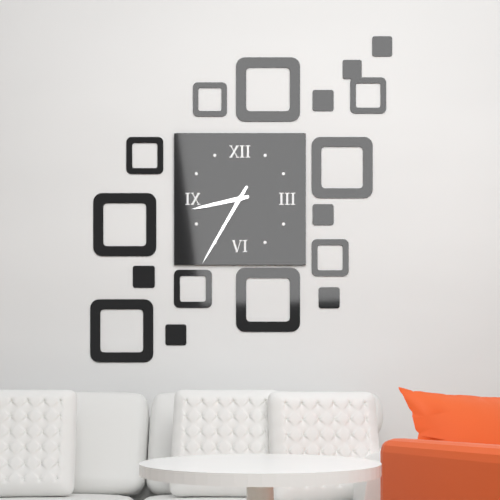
8:35
